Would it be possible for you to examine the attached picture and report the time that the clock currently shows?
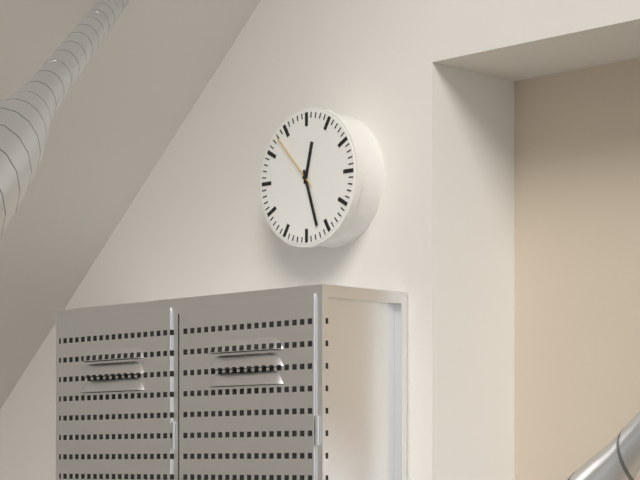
12:27:53
